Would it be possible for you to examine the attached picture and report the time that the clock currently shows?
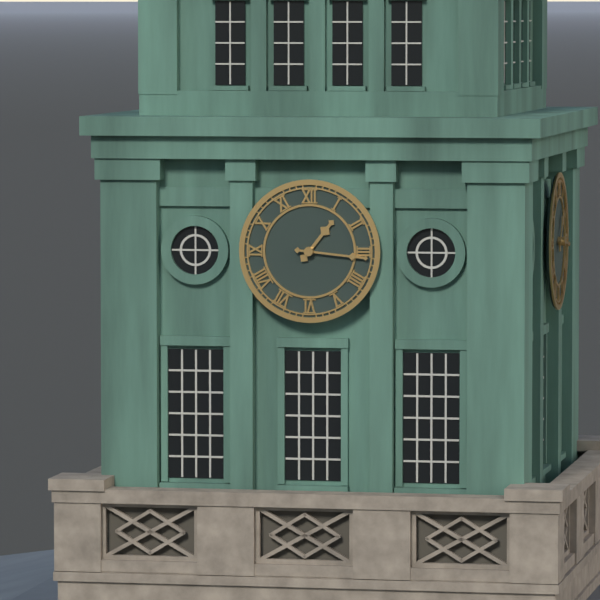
1:16
